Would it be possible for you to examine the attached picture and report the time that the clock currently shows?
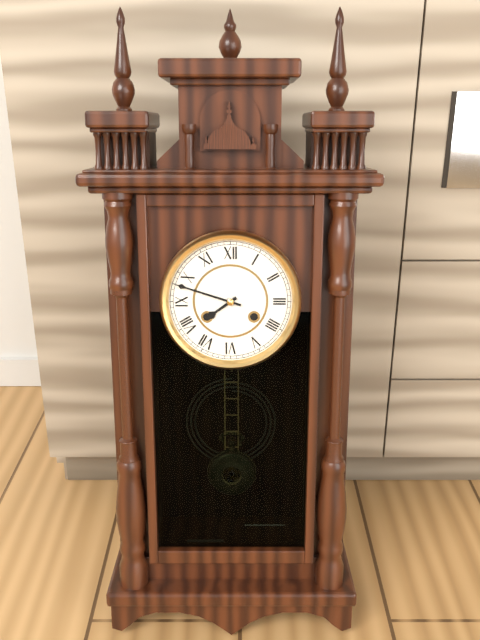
7:48
